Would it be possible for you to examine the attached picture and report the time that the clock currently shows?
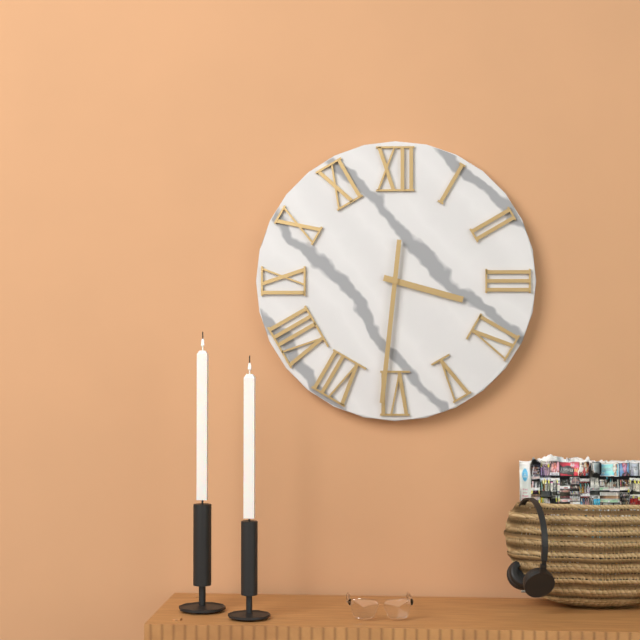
3:31
